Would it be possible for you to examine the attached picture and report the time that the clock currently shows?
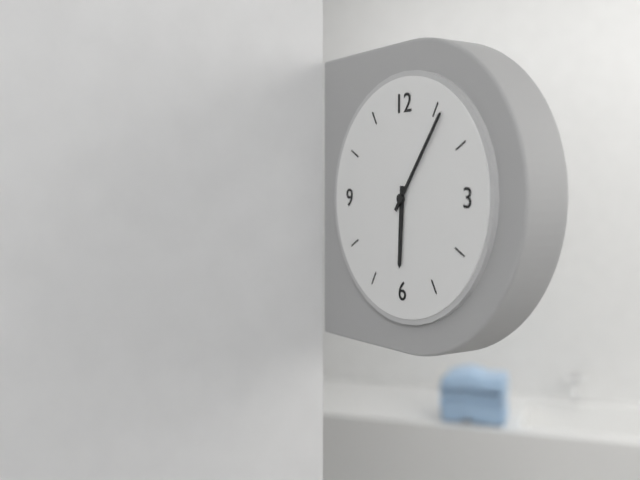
6:06
